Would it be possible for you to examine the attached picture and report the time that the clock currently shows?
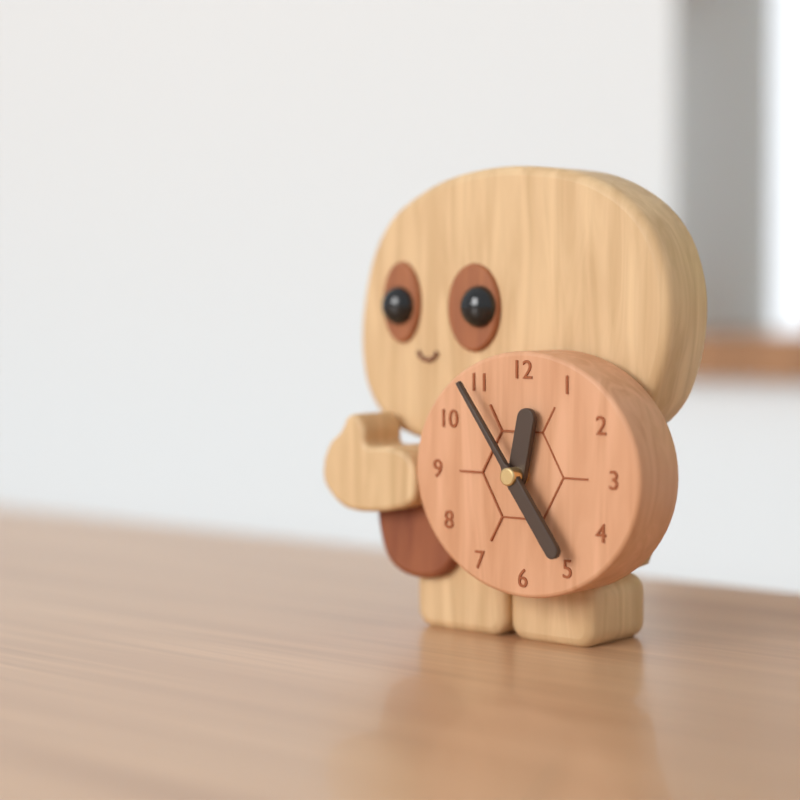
12:24
